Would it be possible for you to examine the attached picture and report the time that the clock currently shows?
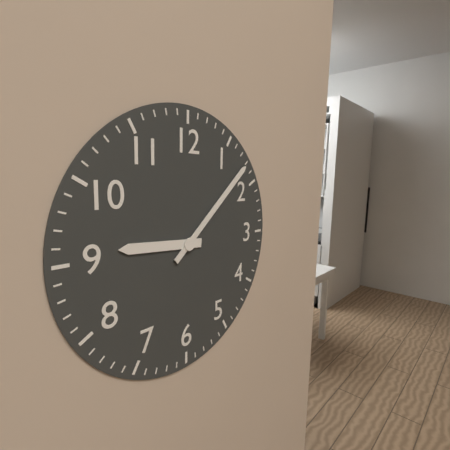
9:08
